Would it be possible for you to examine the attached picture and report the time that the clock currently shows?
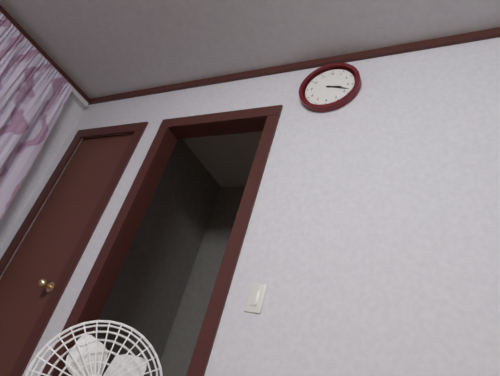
3:18
